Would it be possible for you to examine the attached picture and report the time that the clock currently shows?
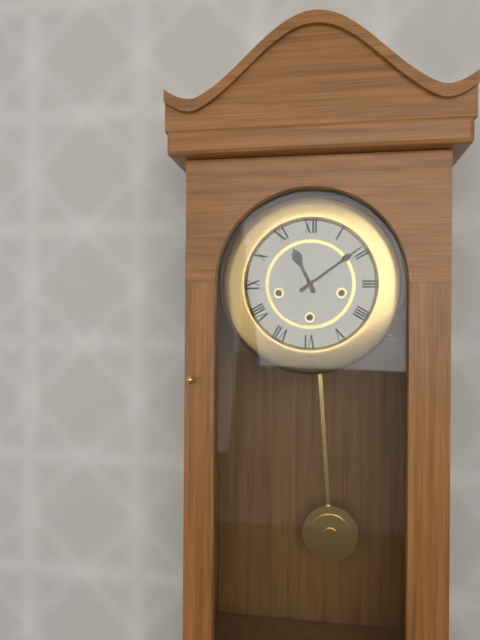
11:09
